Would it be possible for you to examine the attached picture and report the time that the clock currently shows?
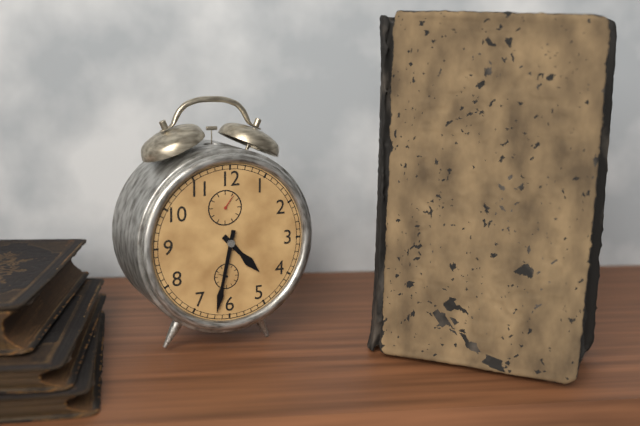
4:32
